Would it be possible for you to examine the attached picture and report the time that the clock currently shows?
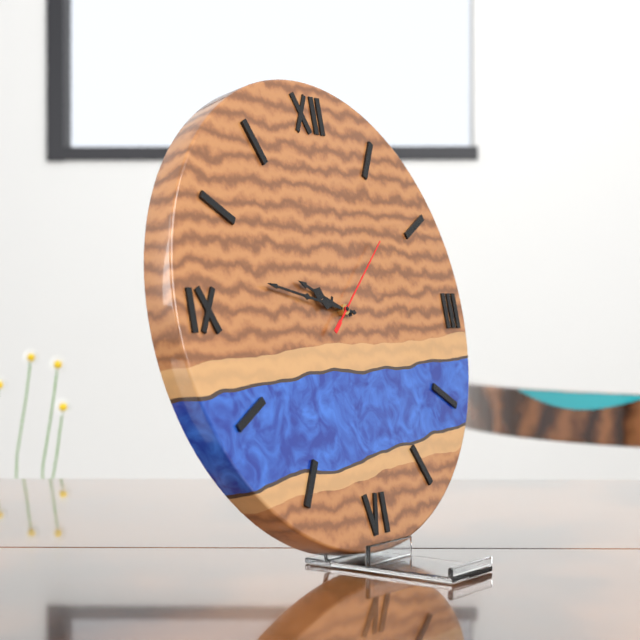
9:47:08
